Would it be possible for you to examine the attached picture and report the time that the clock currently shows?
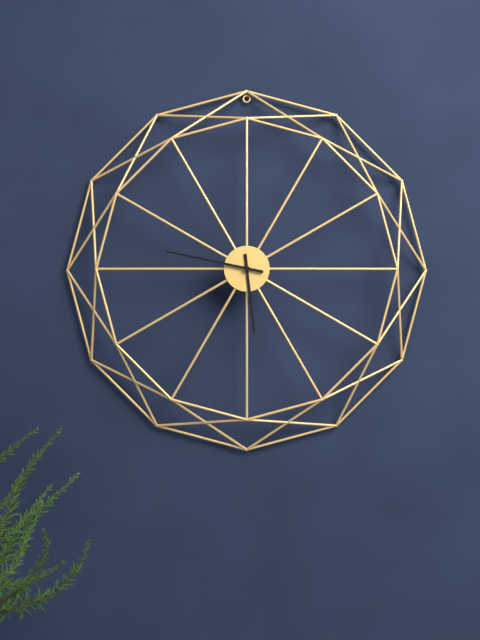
5:47
